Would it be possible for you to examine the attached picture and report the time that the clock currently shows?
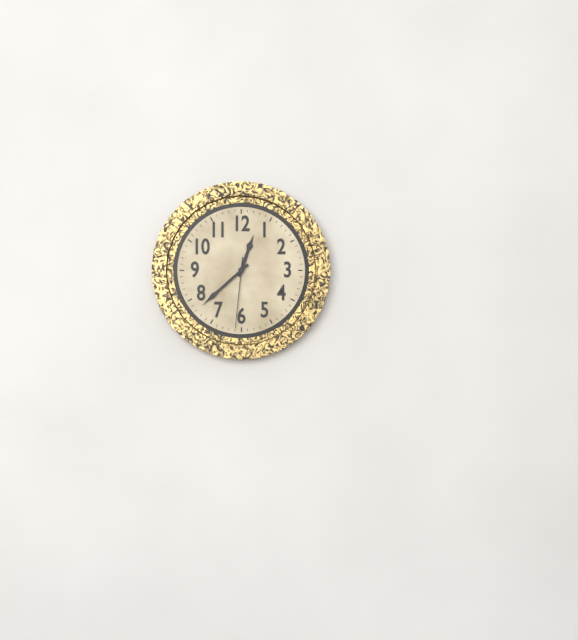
12:38:31
